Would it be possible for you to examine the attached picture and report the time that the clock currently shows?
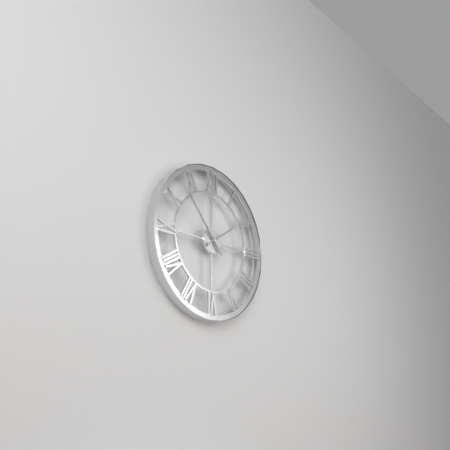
1:53
